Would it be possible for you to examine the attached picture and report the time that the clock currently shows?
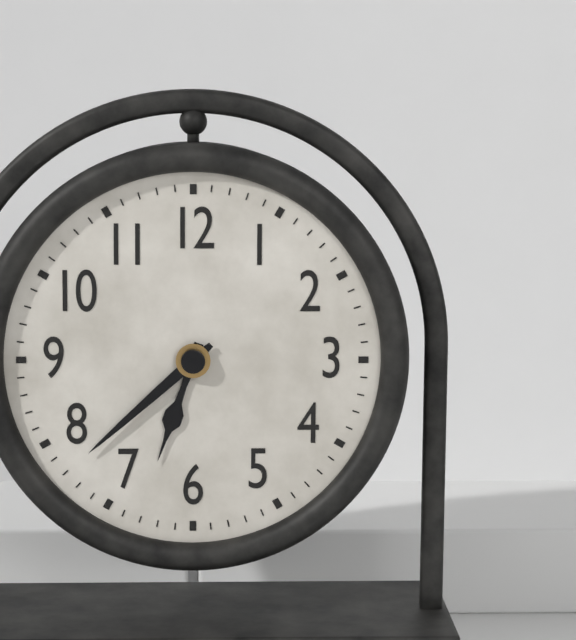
6:38
